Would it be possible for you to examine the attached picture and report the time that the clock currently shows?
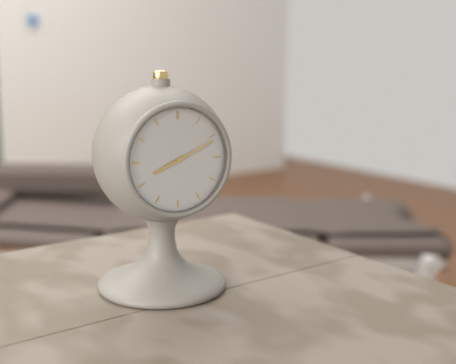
8:11
